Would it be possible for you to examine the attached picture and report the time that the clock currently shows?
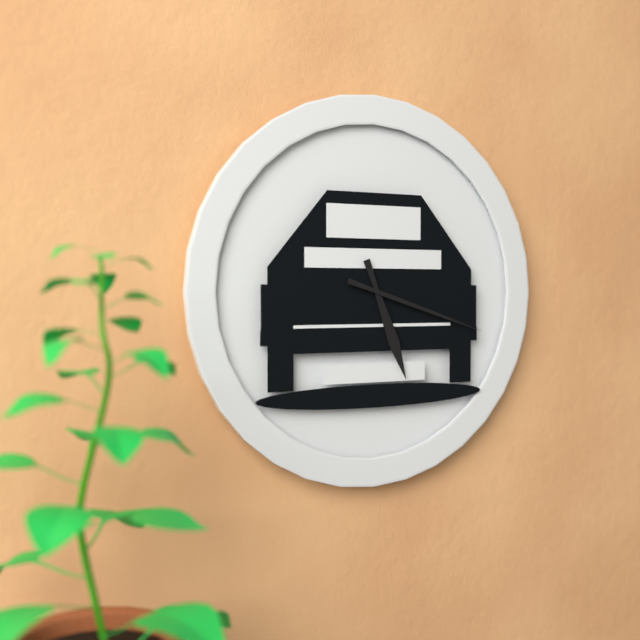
5:18
